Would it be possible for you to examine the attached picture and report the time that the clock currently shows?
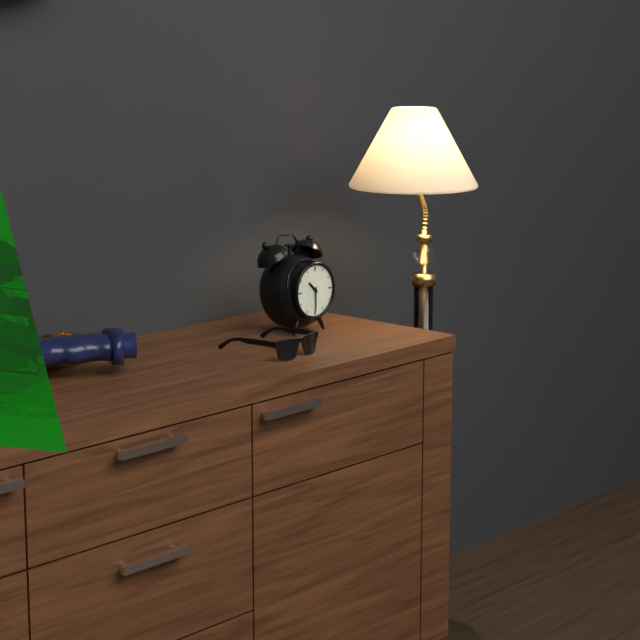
10:30
